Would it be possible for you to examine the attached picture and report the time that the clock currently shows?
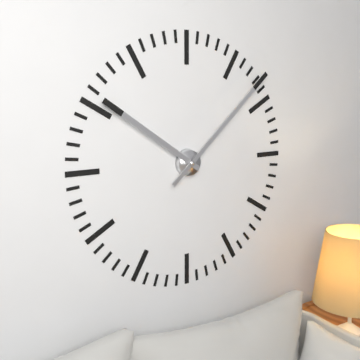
10:08
